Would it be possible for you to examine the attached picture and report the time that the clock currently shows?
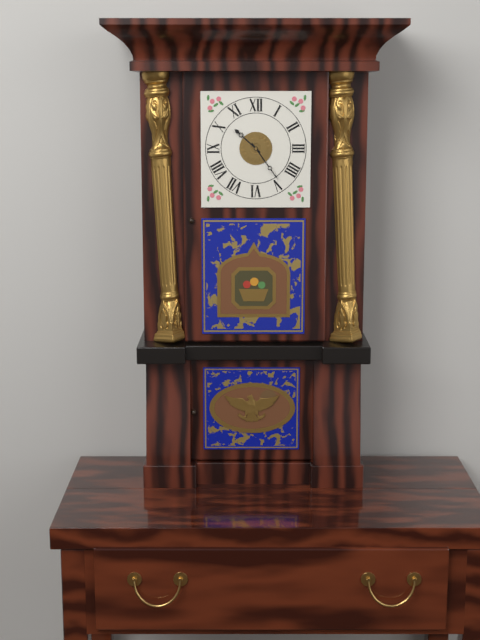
10:24
